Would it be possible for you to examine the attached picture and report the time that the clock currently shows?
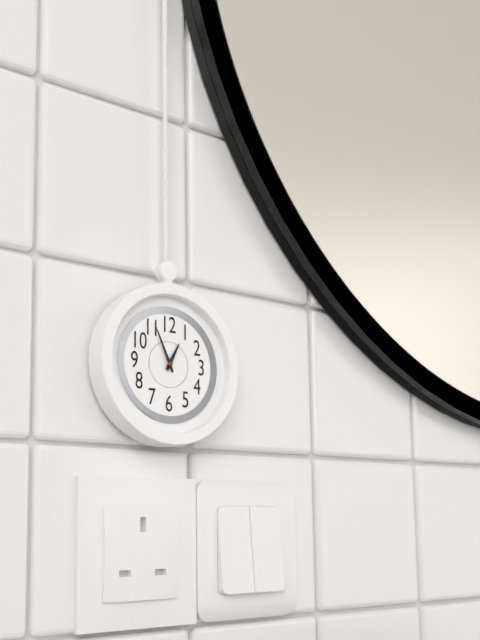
12:56
